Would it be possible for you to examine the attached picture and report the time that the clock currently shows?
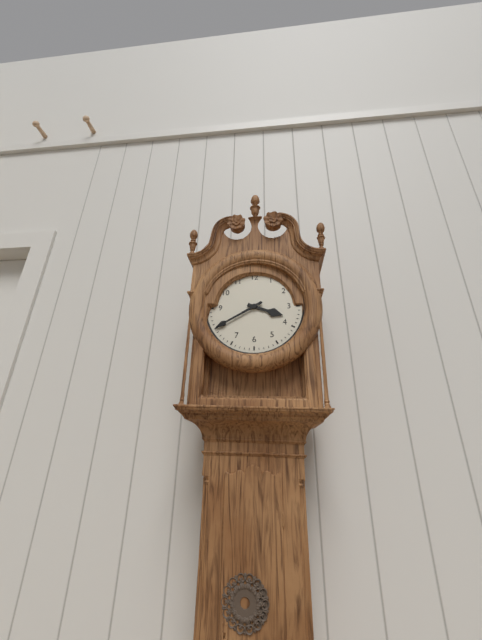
3:40
